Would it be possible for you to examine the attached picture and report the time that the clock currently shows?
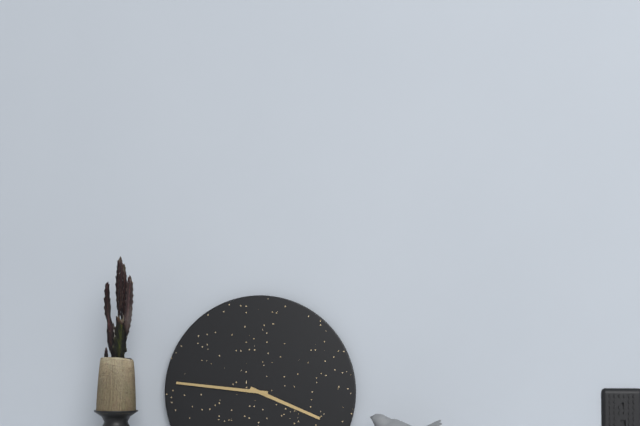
3:46
